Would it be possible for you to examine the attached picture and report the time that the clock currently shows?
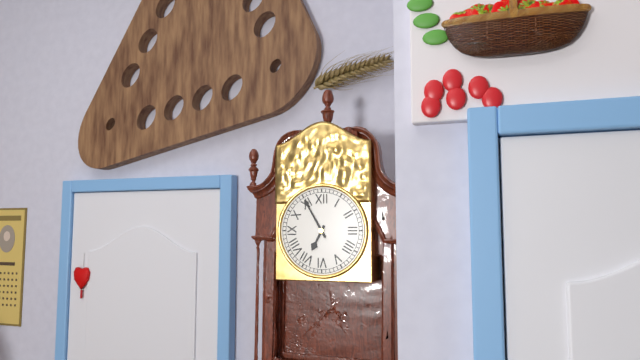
6:55
